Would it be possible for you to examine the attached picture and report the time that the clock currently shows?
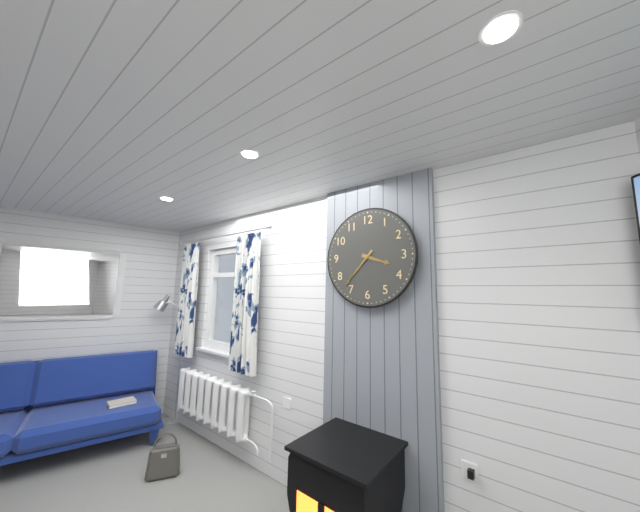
3:37
